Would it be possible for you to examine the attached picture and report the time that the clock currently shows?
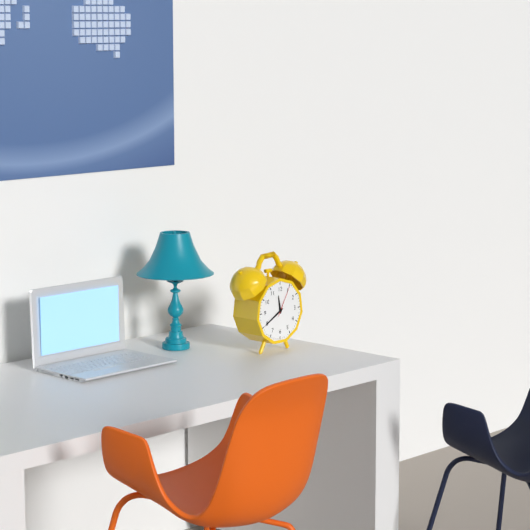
11:40
